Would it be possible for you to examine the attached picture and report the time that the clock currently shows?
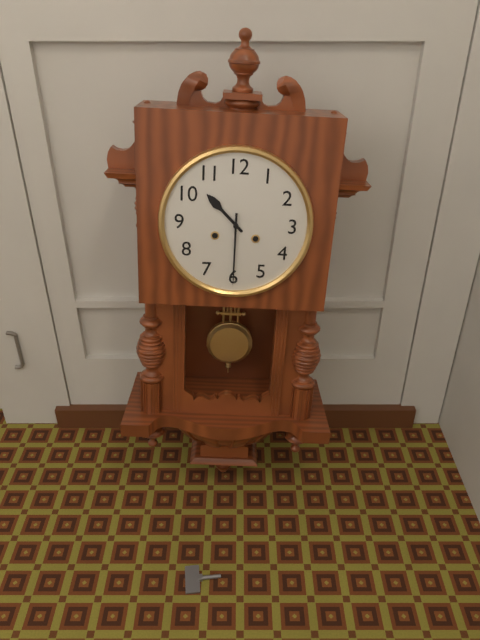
10:30
